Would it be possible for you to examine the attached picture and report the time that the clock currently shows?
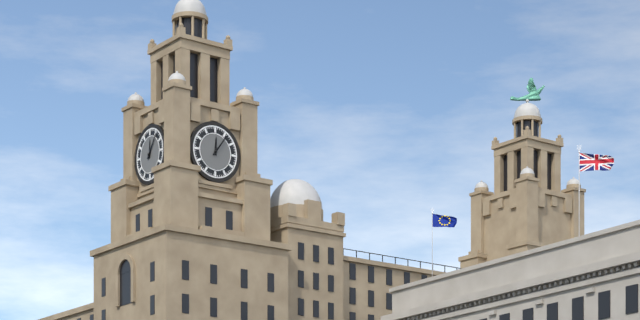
12:06
